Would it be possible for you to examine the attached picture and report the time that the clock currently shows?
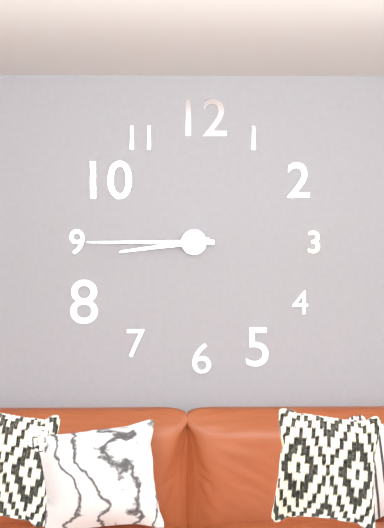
8:45
